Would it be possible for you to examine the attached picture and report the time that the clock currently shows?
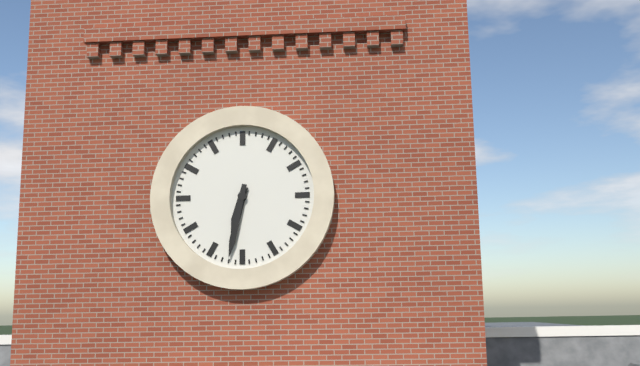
6:32
